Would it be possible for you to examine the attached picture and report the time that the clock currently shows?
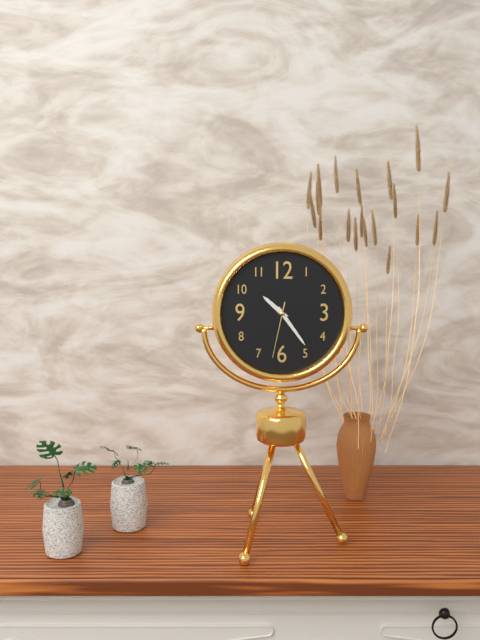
10:24:32
